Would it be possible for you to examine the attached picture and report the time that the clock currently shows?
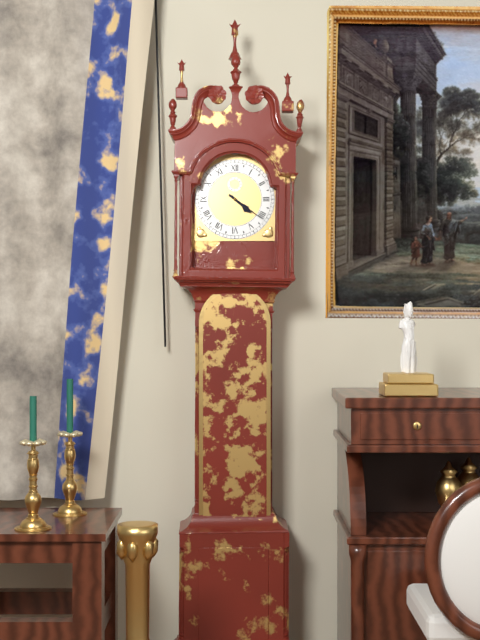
4:21
